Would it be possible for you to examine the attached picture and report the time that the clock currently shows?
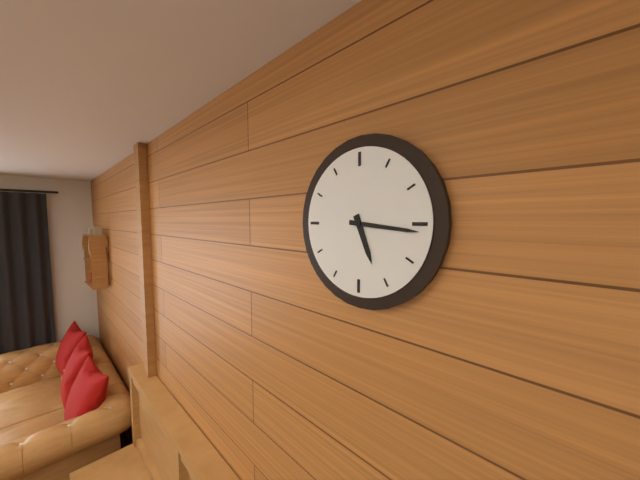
5:16
